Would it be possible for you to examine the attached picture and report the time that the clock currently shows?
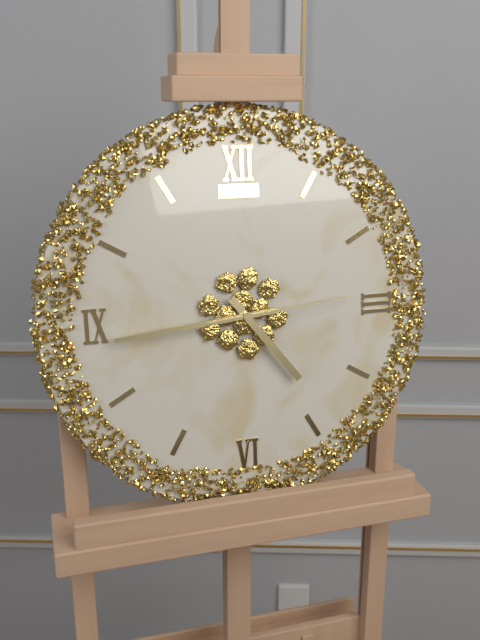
4:44:14
